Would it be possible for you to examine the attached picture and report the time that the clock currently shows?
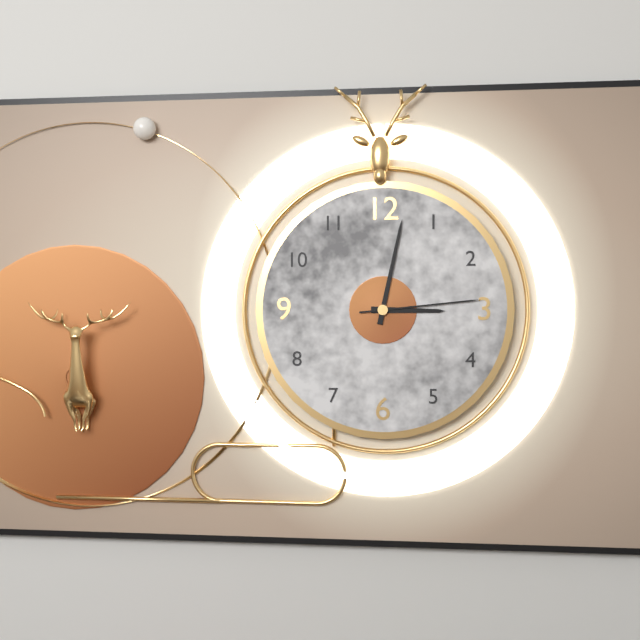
3:02:14
